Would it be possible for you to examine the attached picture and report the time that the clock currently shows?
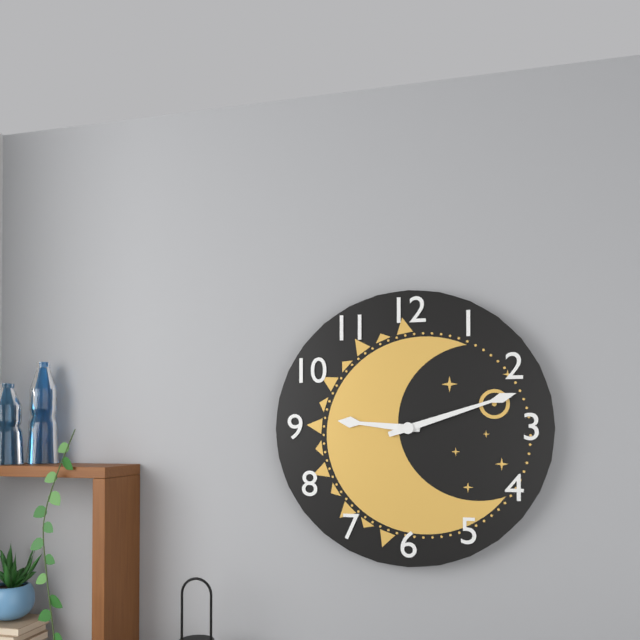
9:12
